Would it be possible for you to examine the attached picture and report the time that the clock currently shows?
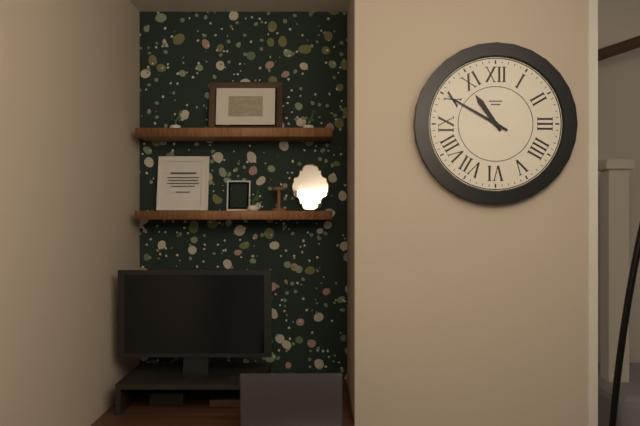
10:50
